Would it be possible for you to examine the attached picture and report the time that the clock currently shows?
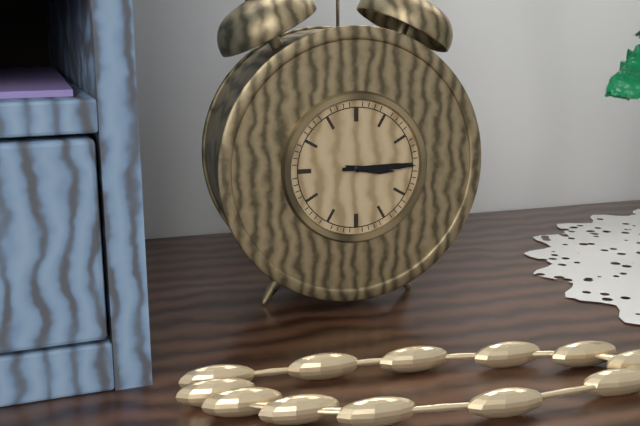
3:15
